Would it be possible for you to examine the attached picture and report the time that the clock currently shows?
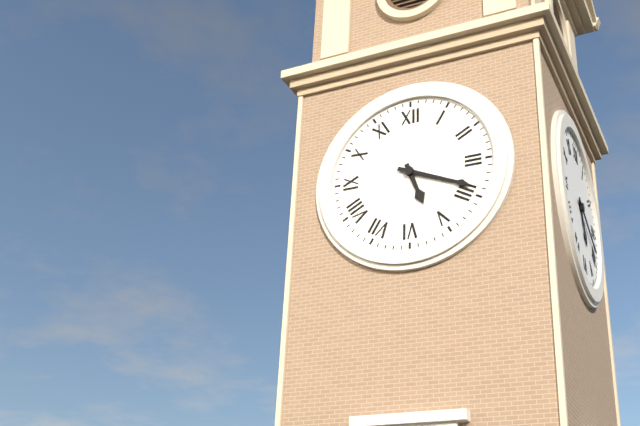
5:19
